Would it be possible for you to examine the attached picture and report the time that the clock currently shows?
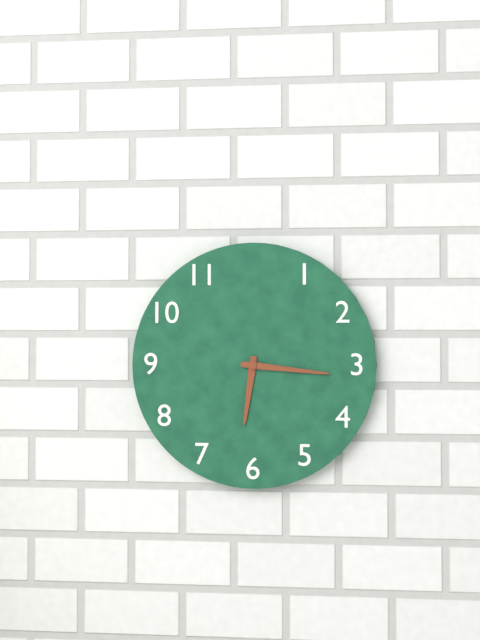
6:16
